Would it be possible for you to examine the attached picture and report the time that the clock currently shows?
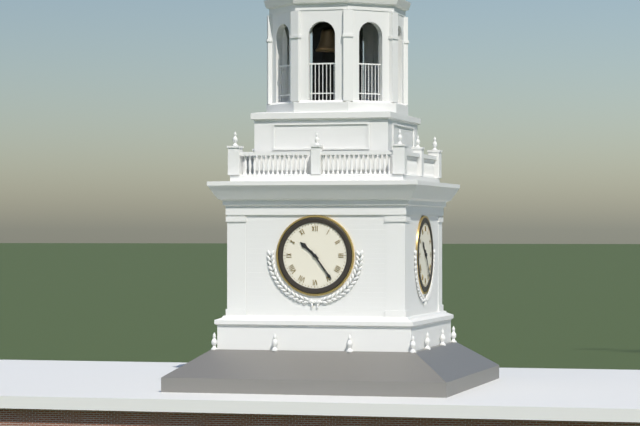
10:24
